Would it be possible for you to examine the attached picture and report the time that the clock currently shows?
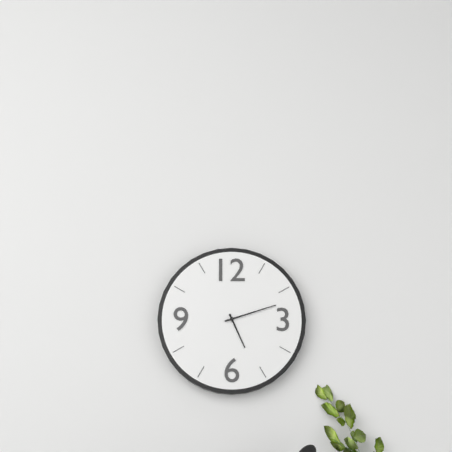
5:12
